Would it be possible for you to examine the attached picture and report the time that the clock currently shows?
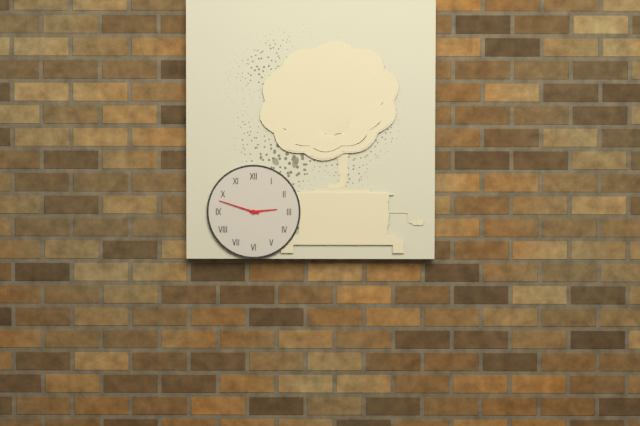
2:48
